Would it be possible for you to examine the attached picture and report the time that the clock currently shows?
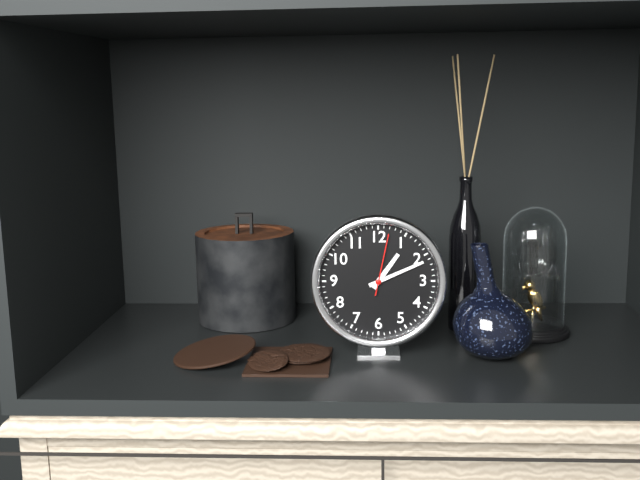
1:11:02
